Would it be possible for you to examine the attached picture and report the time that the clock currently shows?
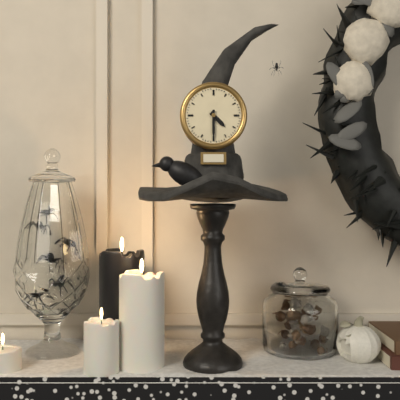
4:30
